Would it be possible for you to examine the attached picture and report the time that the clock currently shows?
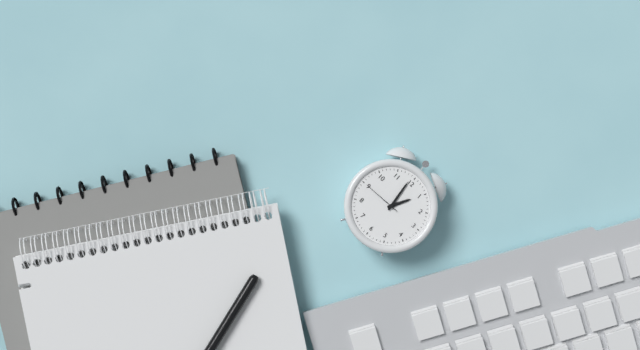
12:59
